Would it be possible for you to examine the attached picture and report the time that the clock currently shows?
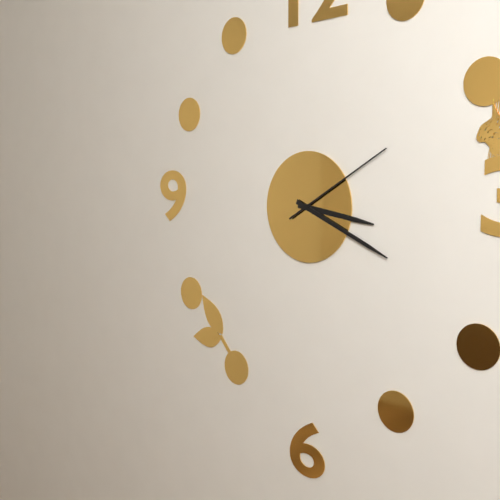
3:19:10
